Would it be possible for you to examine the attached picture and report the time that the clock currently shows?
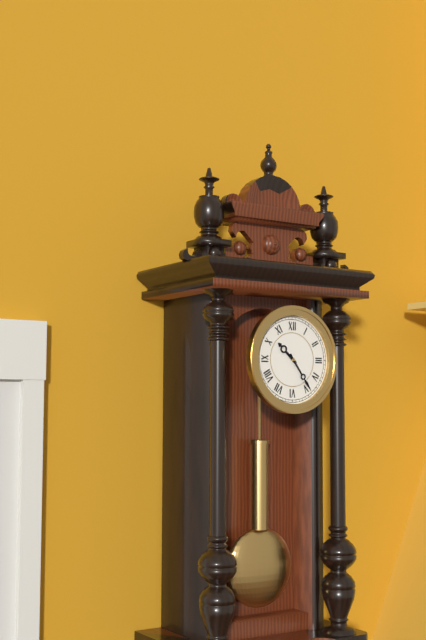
10:24
